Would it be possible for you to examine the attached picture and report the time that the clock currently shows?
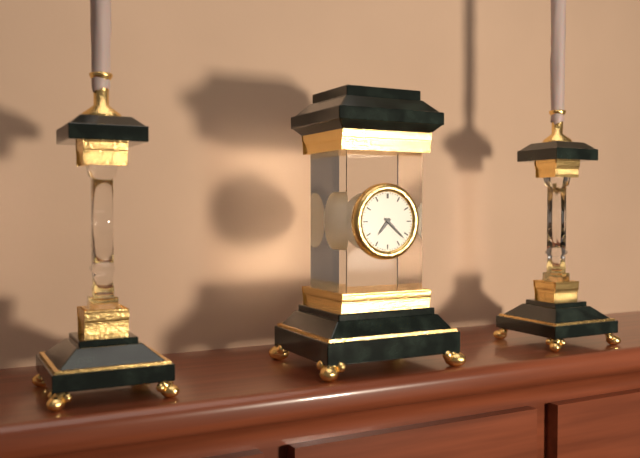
7:22
